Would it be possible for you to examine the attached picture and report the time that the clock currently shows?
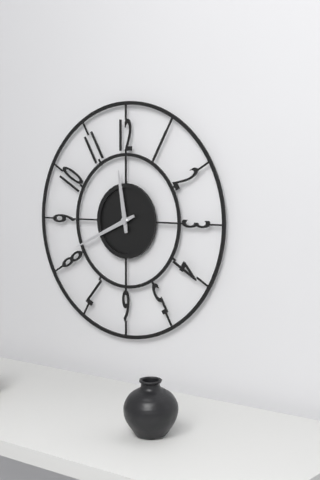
11:41
